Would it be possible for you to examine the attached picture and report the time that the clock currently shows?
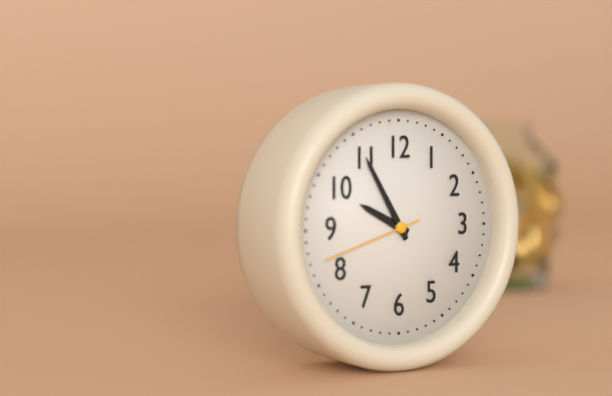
9:55:42
